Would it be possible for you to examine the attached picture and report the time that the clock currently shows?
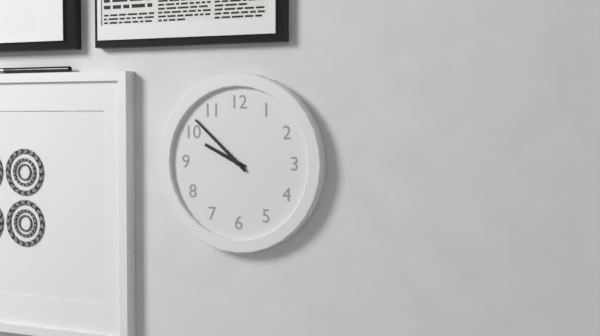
9:52
